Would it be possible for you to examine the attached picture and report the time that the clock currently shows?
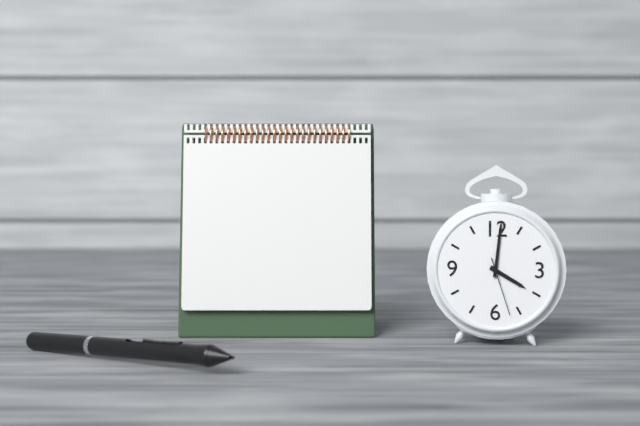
4:01:27
